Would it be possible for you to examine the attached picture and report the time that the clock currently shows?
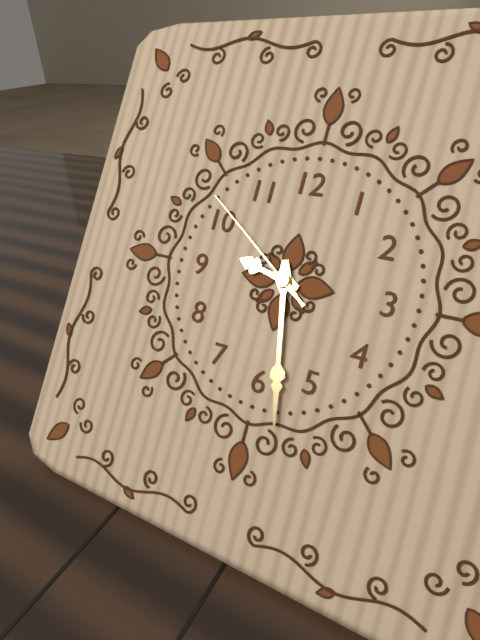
9:28:51
